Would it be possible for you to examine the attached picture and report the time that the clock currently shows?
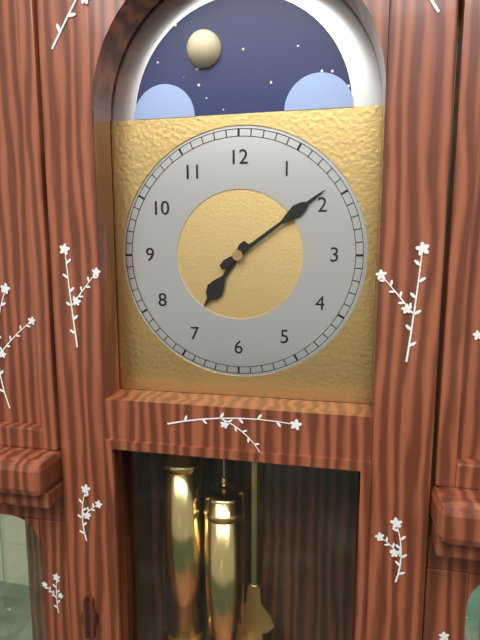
7:09
